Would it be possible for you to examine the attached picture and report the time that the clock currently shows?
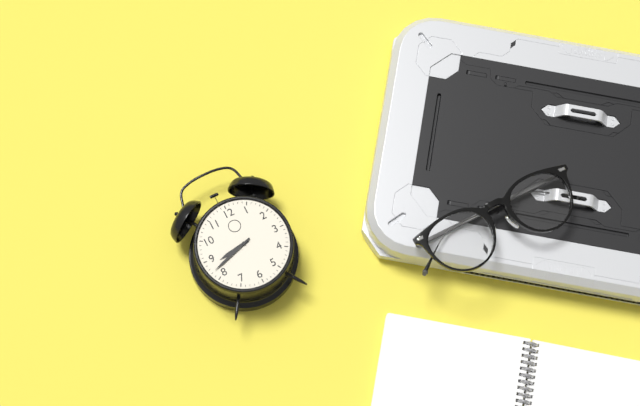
8:42
